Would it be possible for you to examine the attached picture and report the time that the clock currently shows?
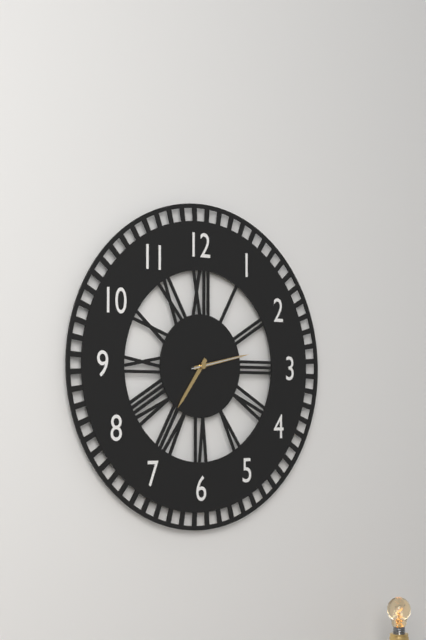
7:13:13
